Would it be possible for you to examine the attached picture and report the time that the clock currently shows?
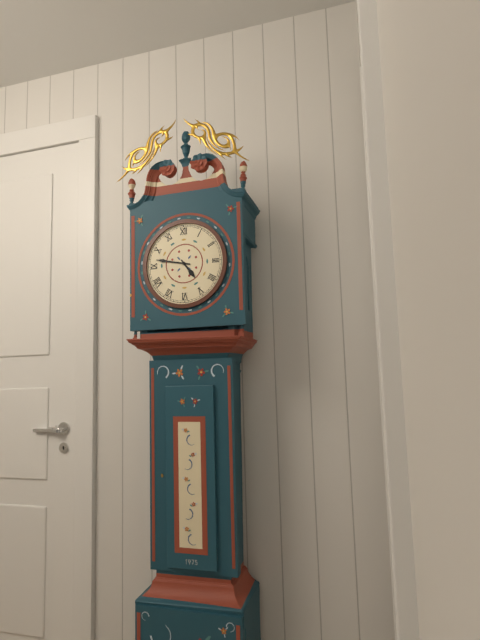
4:47
